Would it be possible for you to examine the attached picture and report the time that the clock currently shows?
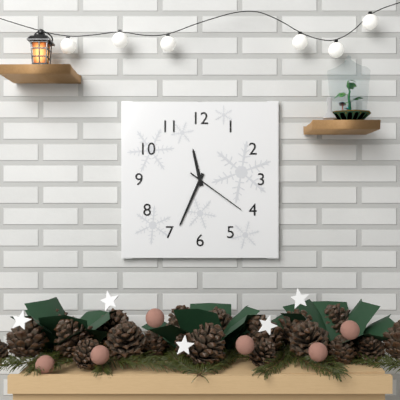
11:34:21
